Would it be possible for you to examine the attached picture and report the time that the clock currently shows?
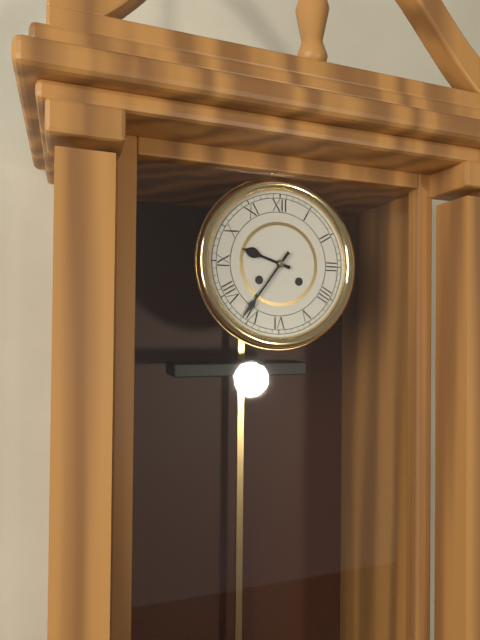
9:36
